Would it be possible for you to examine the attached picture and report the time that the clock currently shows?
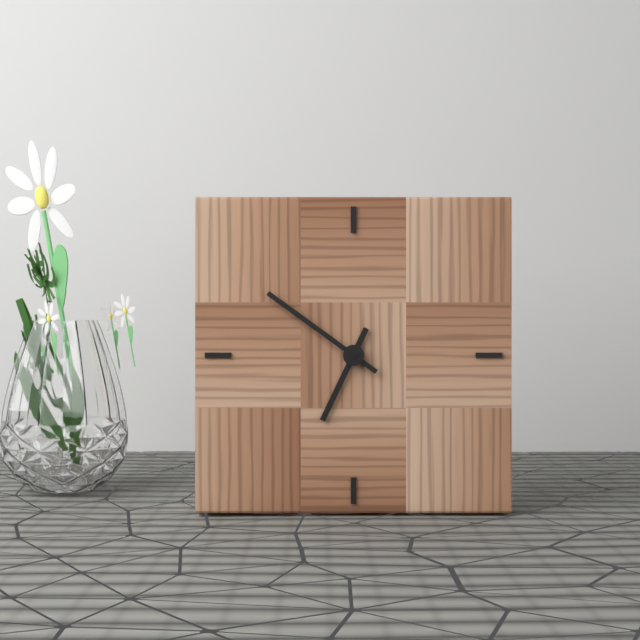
6:51
